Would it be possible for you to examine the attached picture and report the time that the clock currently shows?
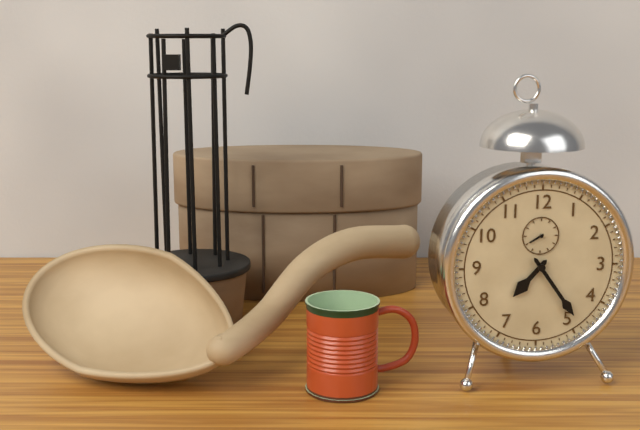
7:24
